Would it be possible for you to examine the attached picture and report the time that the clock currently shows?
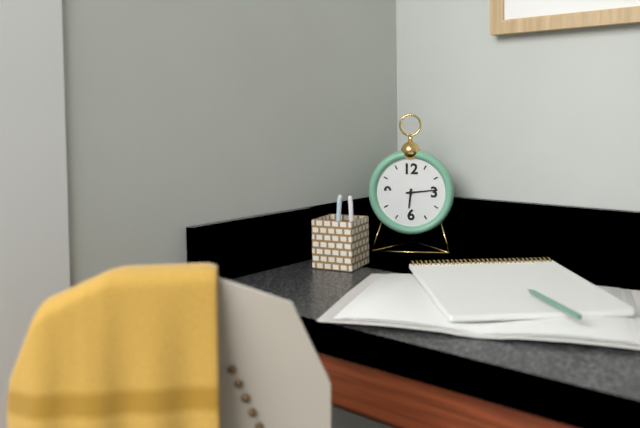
6:14
